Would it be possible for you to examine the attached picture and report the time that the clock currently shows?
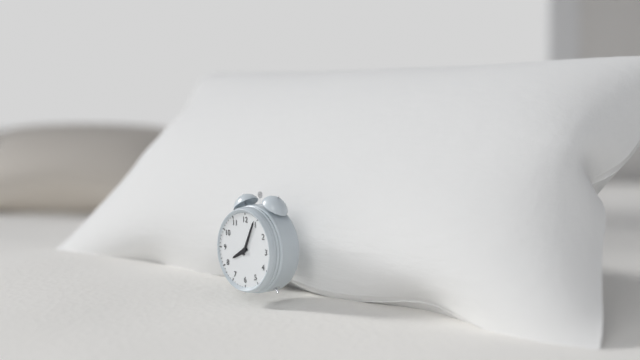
8:04
